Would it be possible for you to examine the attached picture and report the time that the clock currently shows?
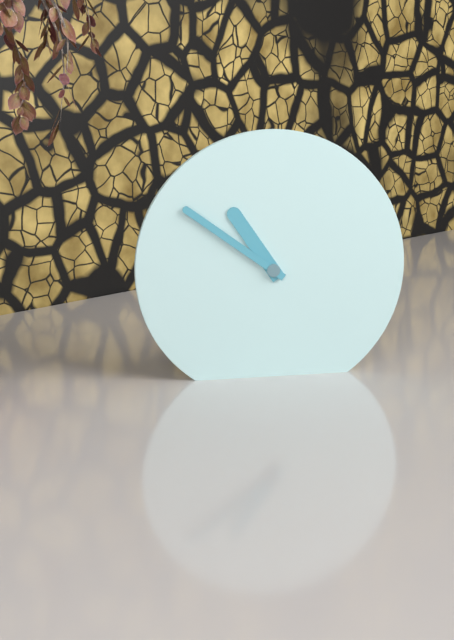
10:51
